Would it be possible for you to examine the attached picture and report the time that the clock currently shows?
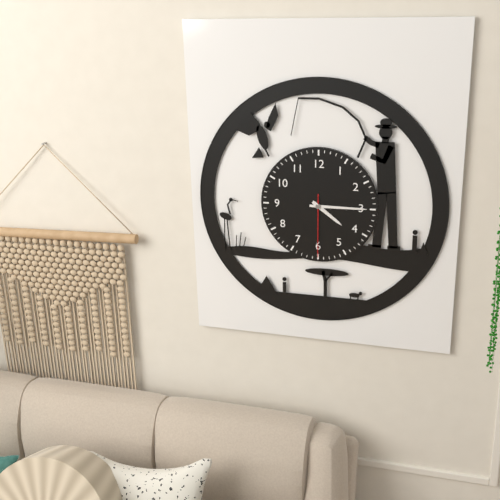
4:15:30
